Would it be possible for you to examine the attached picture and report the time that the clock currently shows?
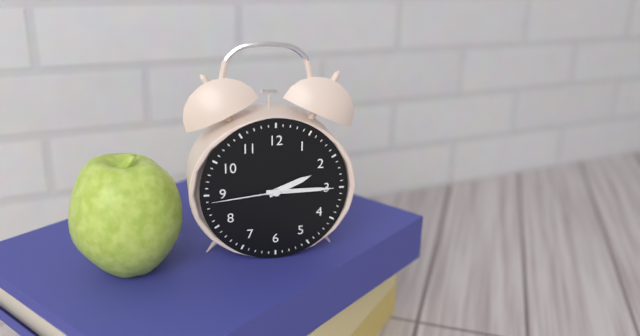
2:15:44
